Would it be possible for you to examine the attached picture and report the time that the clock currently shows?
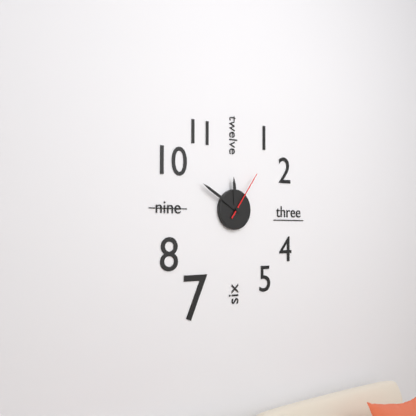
11:50:06
